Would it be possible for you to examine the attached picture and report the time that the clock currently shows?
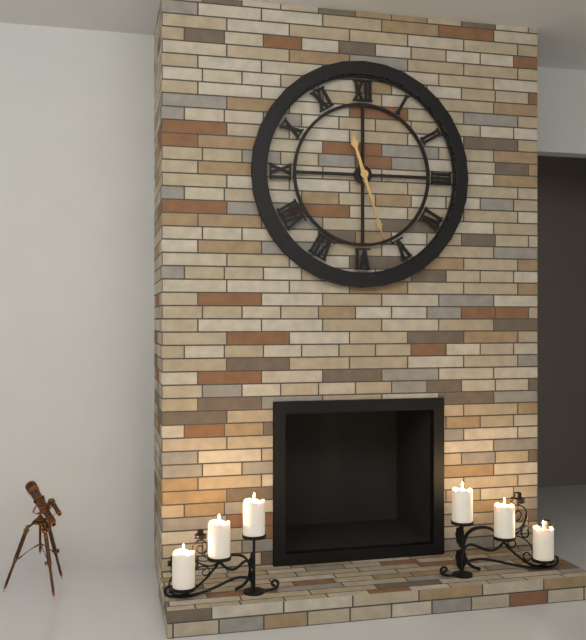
11:27
